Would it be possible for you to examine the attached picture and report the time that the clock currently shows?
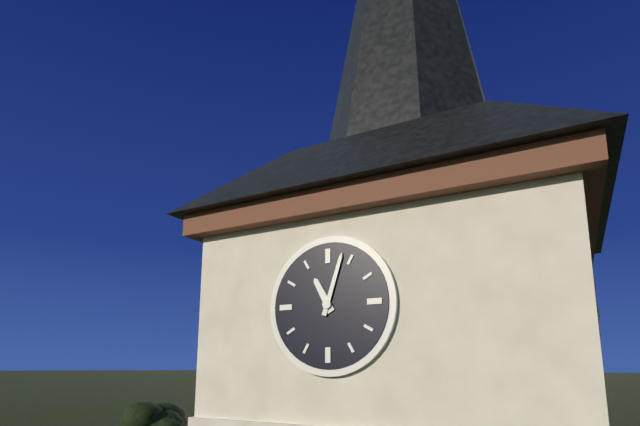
11:03
